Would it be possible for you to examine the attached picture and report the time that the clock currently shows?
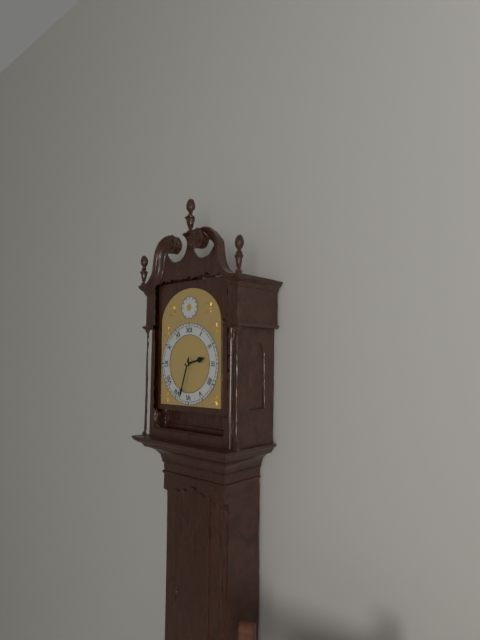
2:33
